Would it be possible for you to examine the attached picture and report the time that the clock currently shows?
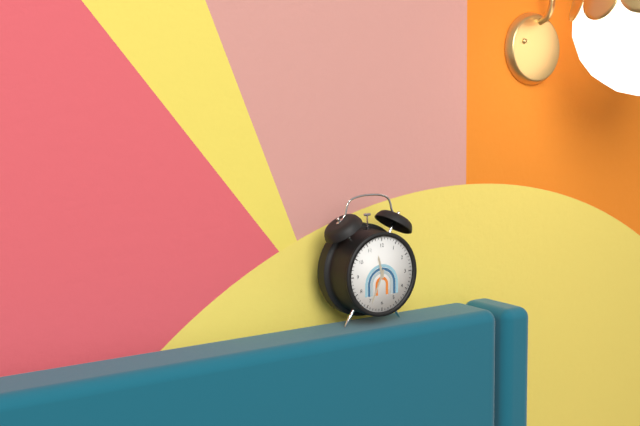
11:34
